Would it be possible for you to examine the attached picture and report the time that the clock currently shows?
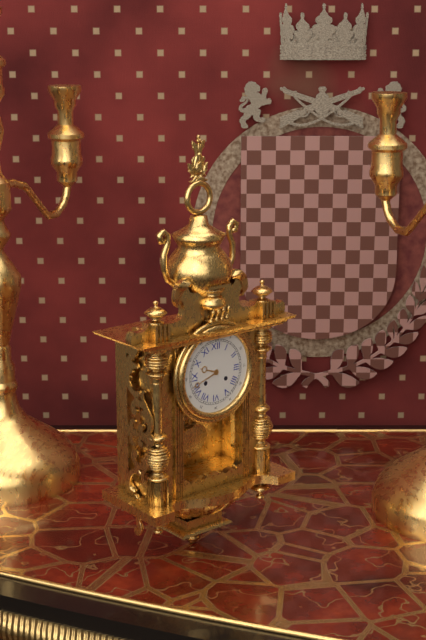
9:42
